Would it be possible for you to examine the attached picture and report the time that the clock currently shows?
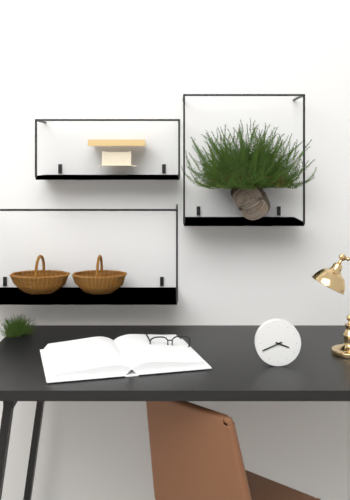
3:41
